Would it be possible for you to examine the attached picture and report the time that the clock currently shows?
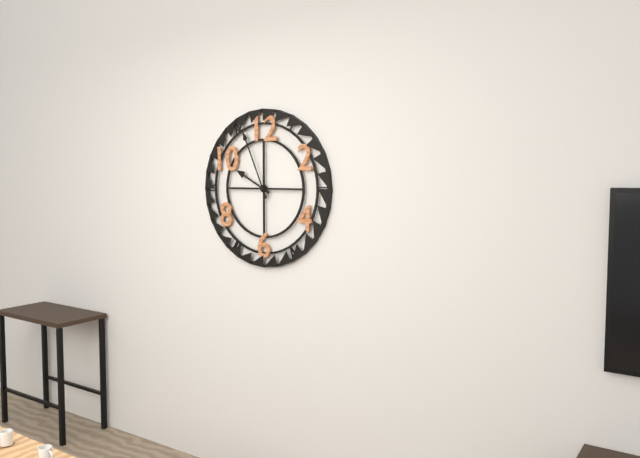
9:56
